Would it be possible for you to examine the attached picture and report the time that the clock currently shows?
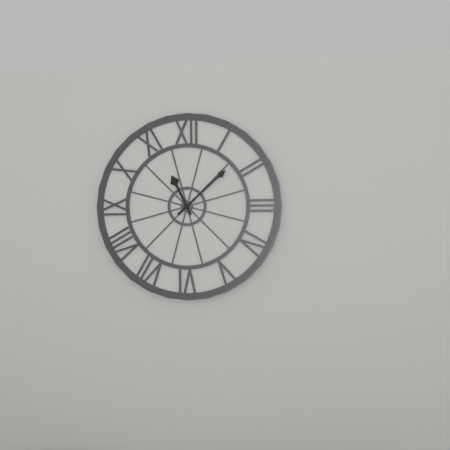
11:08
